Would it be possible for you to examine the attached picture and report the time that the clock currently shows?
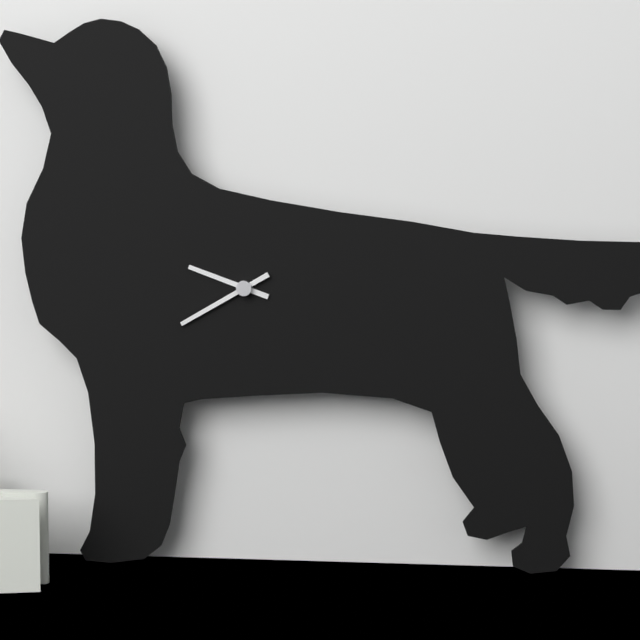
9:40
